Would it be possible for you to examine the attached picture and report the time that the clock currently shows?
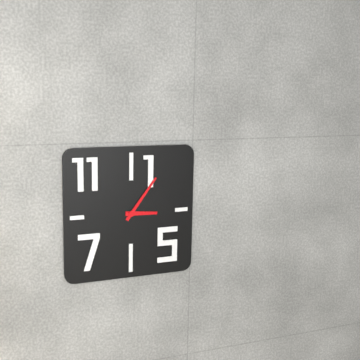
3:06
